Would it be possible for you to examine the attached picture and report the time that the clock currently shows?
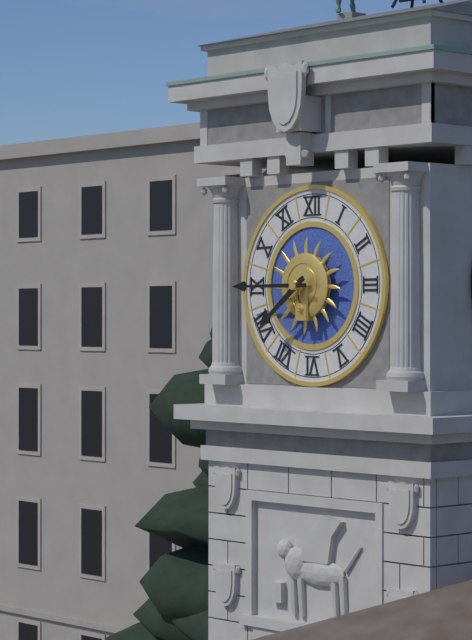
7:45
